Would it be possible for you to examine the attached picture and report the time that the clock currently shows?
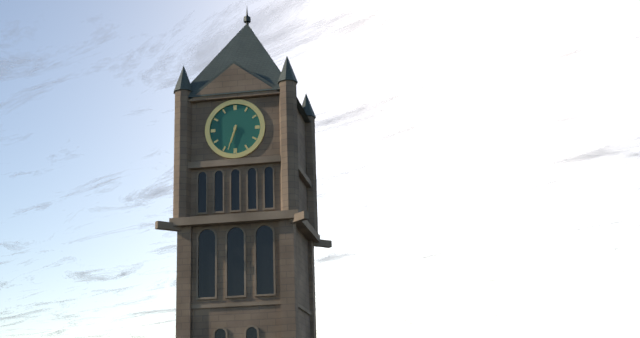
6:33
